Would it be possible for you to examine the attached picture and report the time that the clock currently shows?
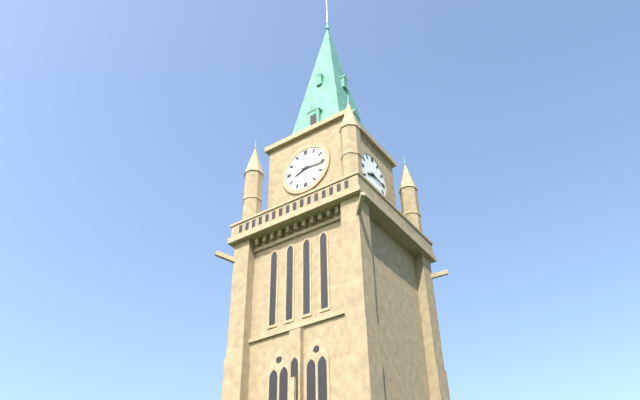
8:16
